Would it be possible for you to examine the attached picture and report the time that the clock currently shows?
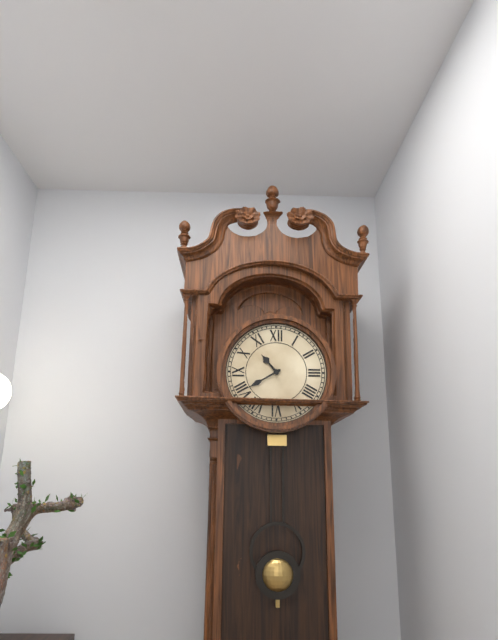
10:40
